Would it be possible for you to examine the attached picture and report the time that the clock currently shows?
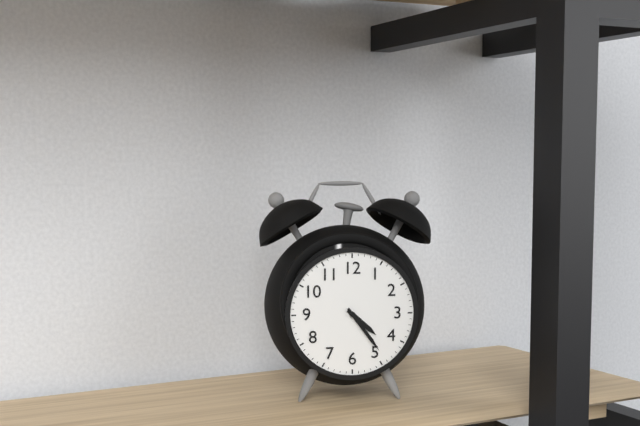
4:24
